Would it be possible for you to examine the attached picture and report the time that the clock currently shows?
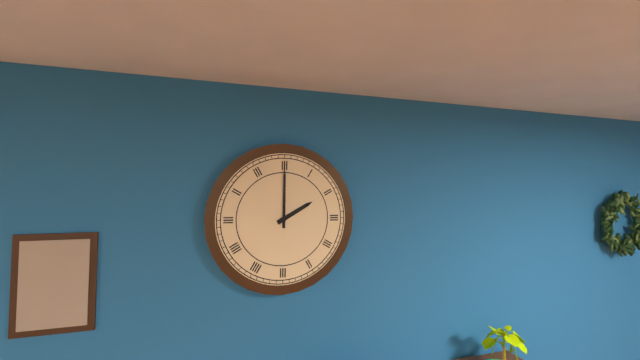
2:00
